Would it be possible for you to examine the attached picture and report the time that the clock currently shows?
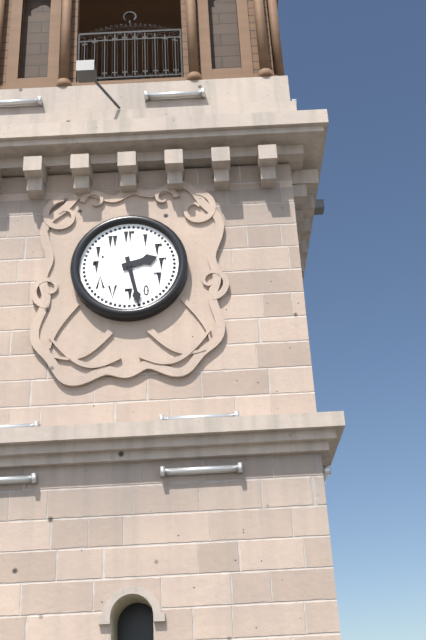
2:28
